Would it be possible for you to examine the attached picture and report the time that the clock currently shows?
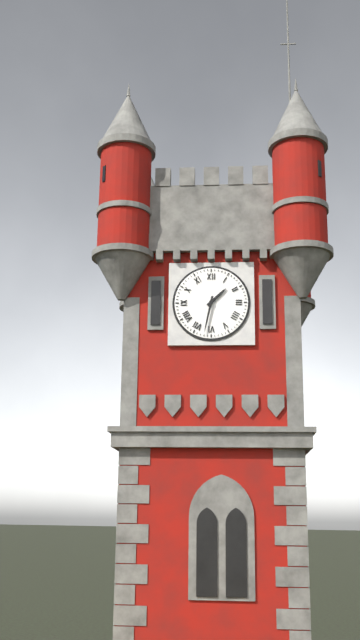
1:32
